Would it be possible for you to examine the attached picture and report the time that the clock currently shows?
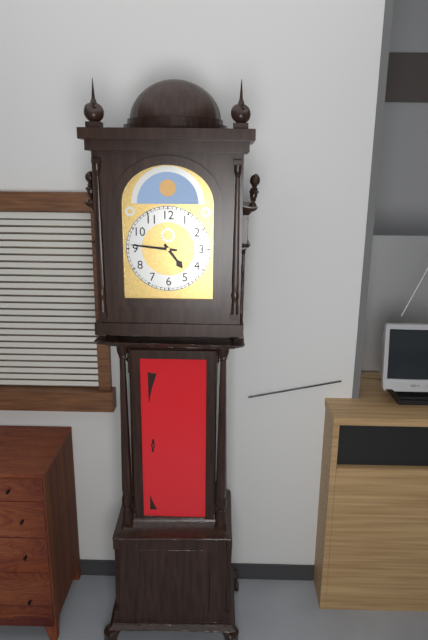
4:46
